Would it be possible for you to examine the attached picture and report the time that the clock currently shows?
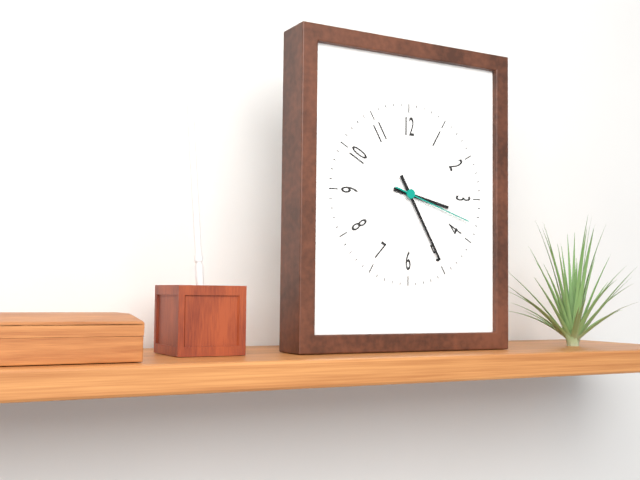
3:25:18
